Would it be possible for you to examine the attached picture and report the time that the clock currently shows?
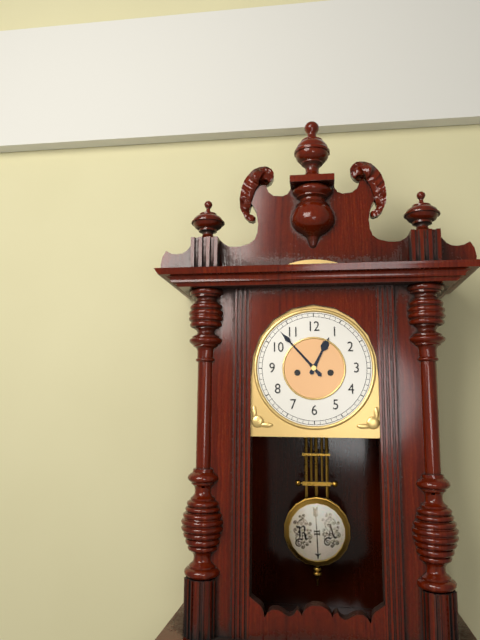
12:53
